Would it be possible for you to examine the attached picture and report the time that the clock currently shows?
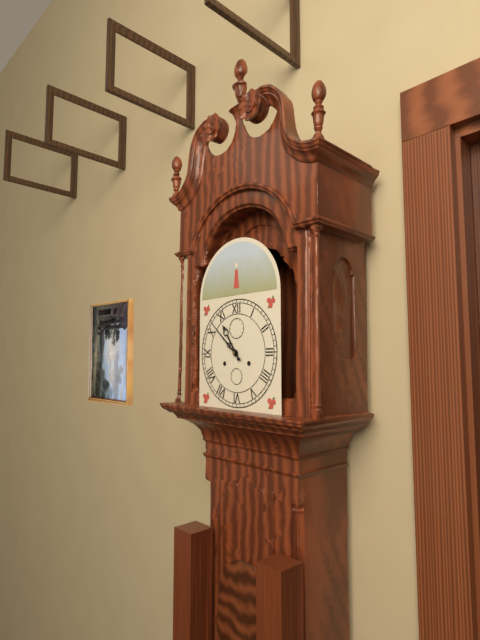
10:52
